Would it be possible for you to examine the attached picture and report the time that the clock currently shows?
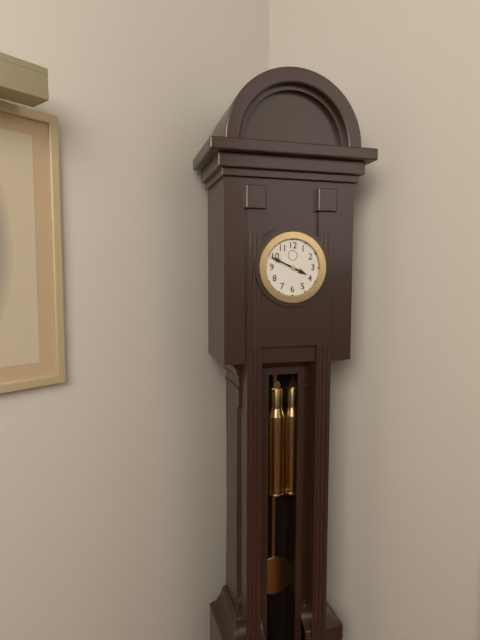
3:49
